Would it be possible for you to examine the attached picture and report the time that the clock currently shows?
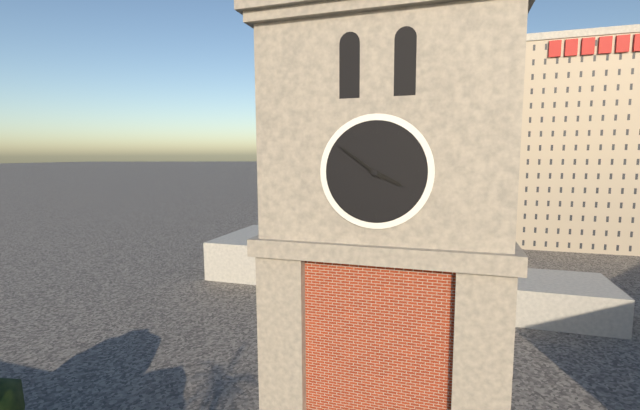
3:51
